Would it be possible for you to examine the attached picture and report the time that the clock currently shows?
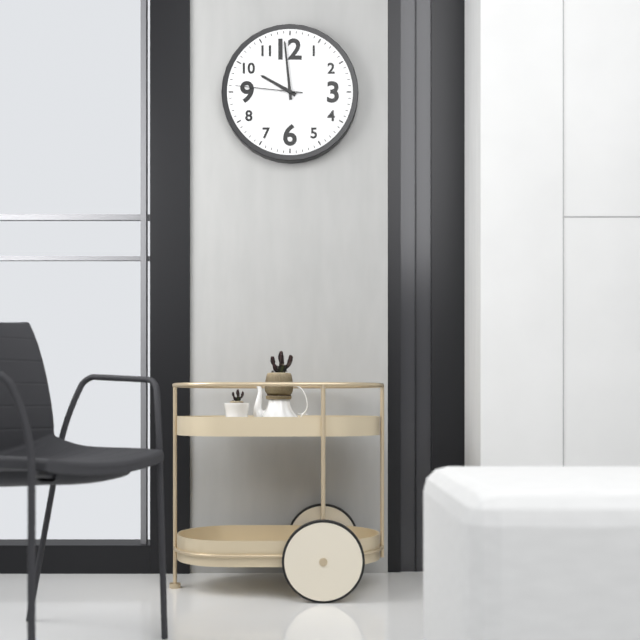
9:59:46
